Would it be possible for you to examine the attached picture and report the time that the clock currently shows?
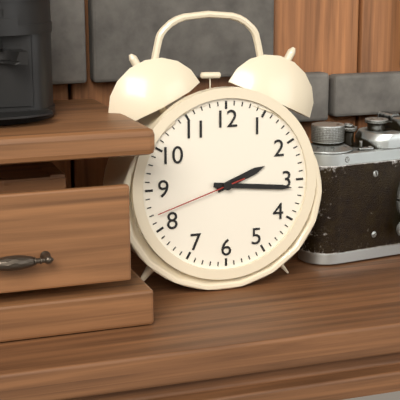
2:16:42
